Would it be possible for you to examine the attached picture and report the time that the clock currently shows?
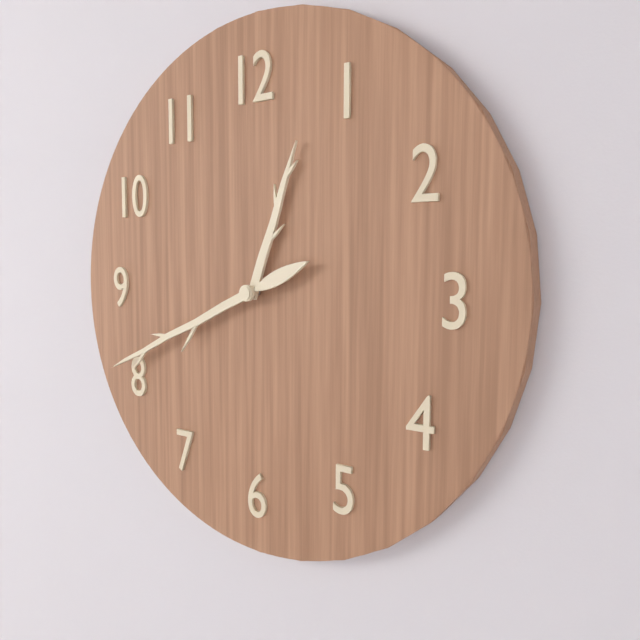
12:41
